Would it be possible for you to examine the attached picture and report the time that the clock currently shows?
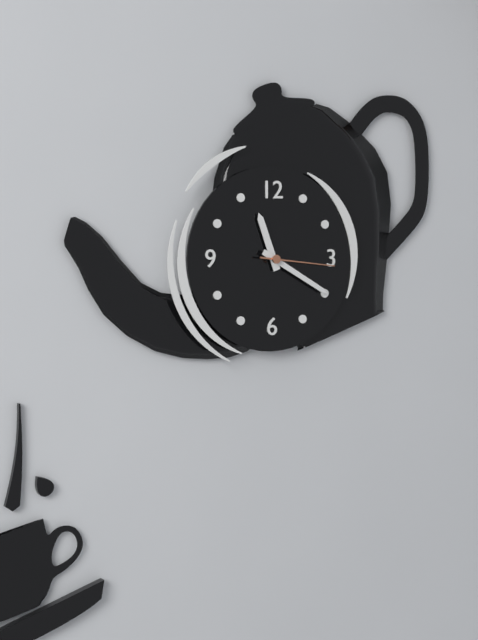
11:20:16
